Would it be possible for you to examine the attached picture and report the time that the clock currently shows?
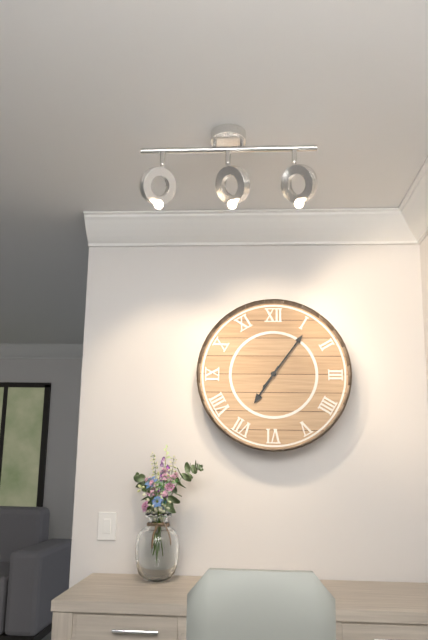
7:06
